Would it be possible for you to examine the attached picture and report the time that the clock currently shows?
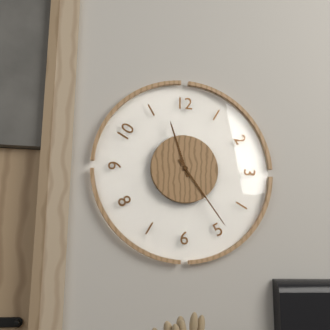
11:24
